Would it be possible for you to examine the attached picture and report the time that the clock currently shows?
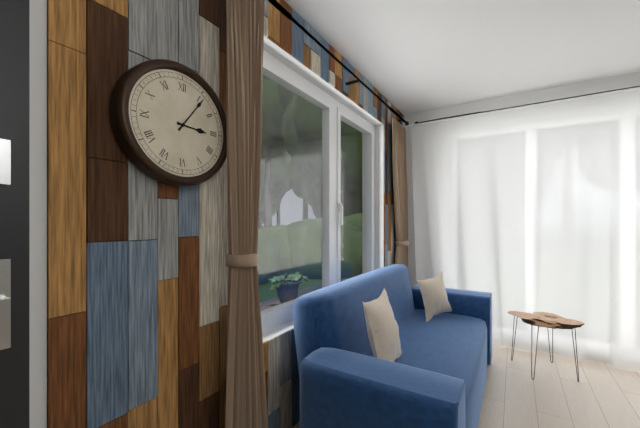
3:06
